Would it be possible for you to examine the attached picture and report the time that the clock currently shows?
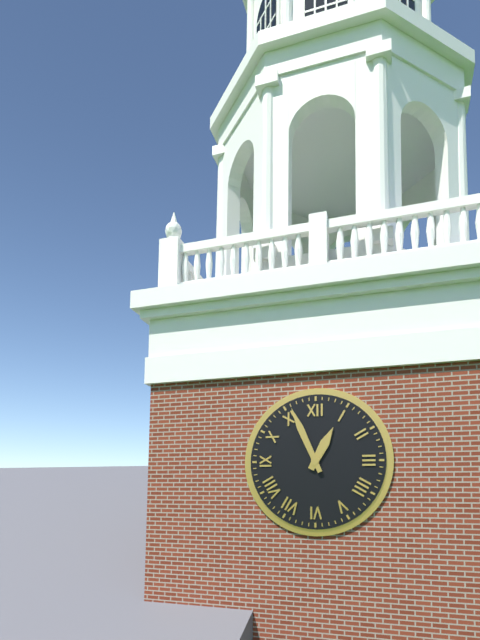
12:56
